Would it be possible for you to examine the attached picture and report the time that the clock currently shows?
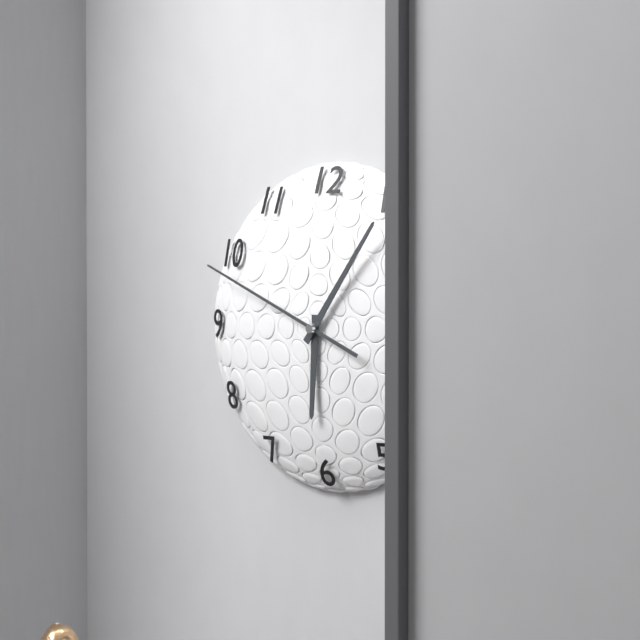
6:06:49
